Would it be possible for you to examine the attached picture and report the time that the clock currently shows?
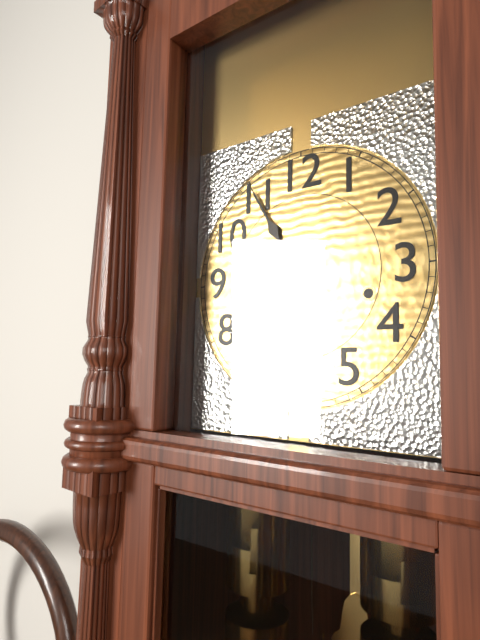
5:55
